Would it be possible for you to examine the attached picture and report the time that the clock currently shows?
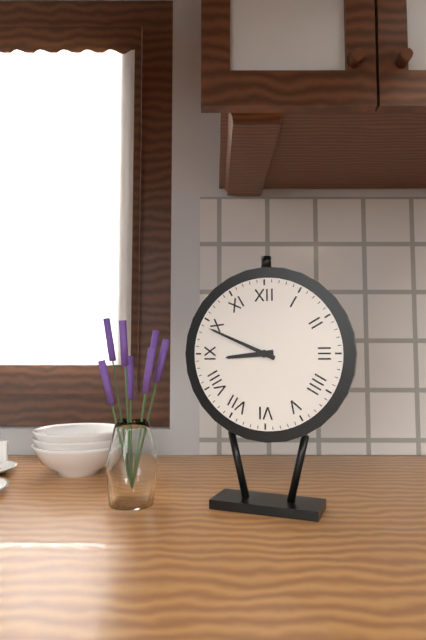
8:49
